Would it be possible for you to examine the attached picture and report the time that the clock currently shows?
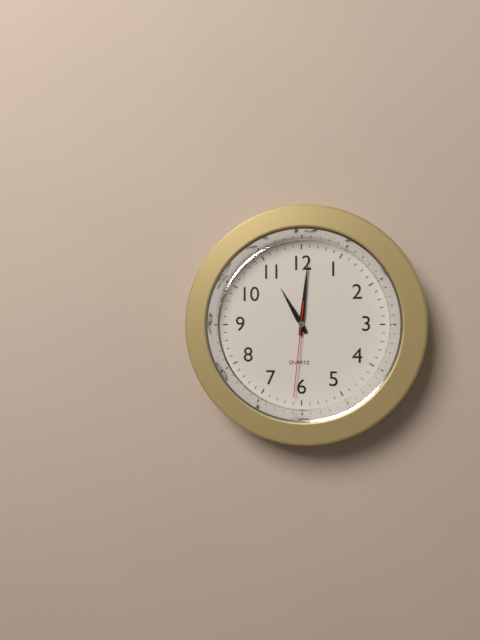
11:01:31
